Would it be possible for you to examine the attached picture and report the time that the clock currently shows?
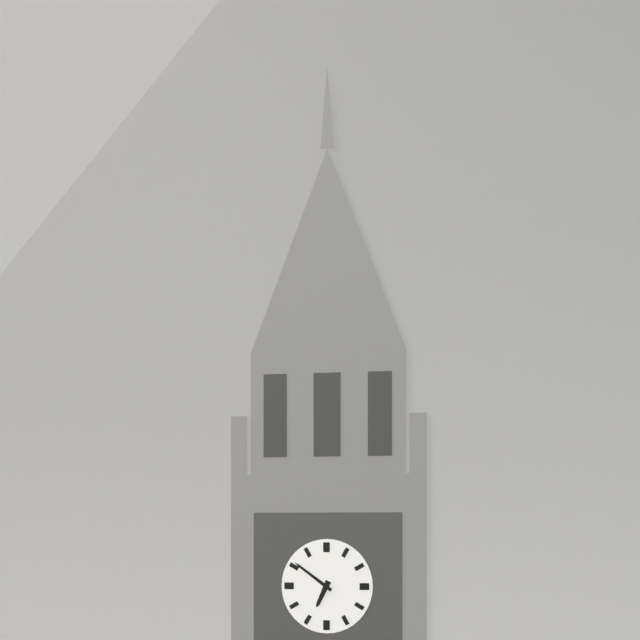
6:51
